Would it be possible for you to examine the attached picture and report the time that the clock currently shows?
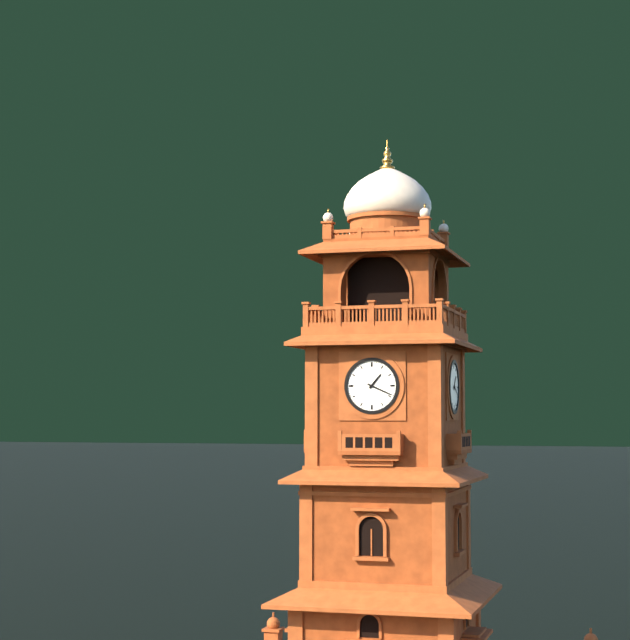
1:19
